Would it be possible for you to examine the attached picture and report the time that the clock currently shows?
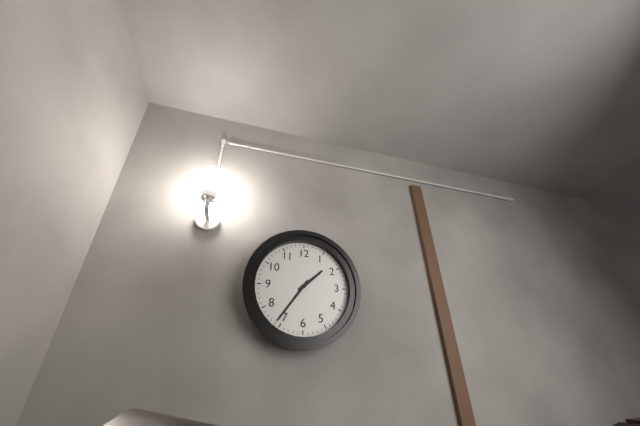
1:36
